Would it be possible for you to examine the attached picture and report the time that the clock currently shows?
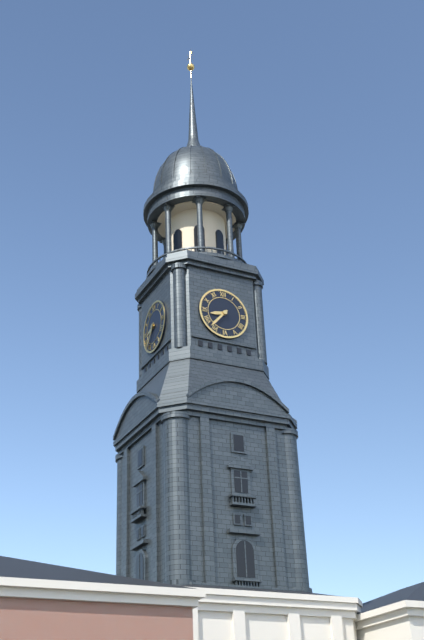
8:37
